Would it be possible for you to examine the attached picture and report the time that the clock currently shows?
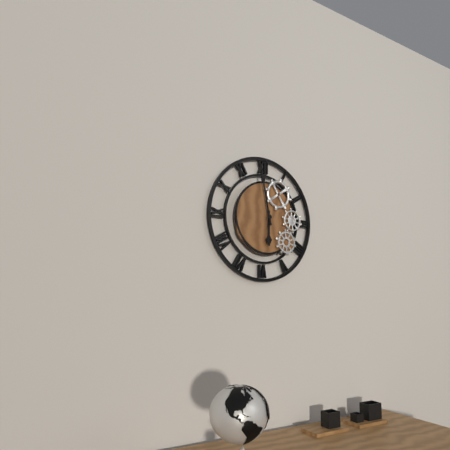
5:58
